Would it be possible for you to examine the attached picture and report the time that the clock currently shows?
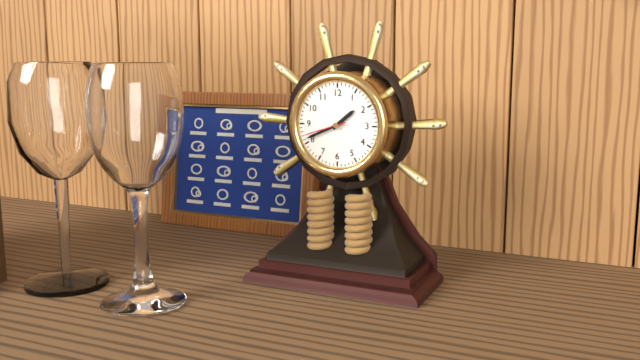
1:41
